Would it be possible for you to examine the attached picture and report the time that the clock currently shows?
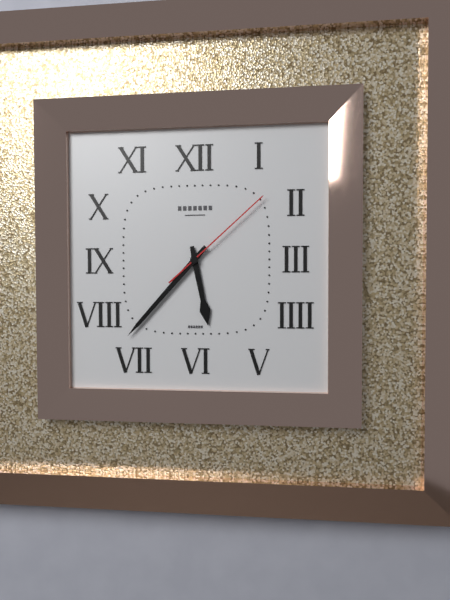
5:37:08
